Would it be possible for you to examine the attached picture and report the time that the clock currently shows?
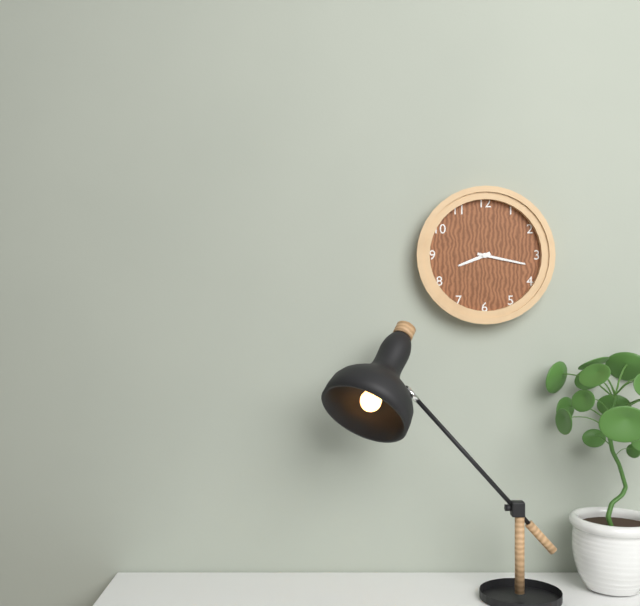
8:17
